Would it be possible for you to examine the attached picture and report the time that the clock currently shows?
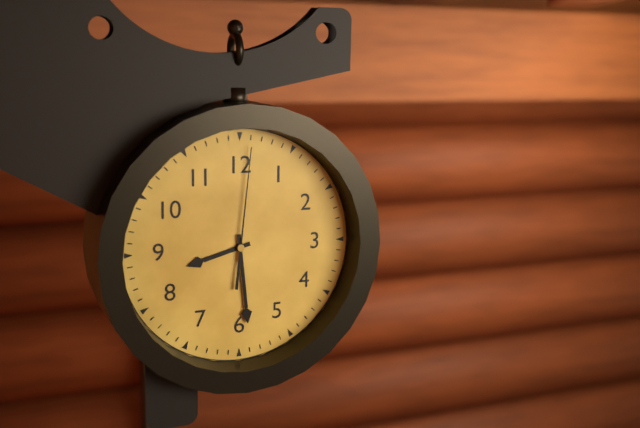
8:29:01
